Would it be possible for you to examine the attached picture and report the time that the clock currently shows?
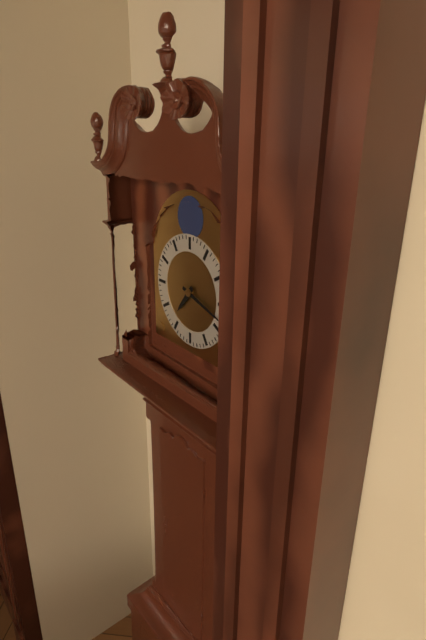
7:18
